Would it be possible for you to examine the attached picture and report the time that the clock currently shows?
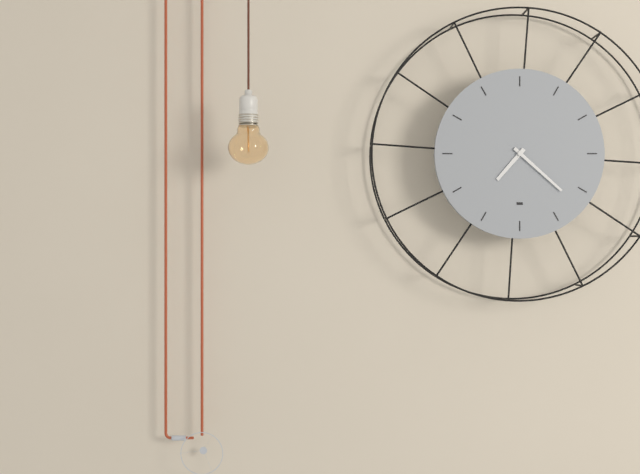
7:22
